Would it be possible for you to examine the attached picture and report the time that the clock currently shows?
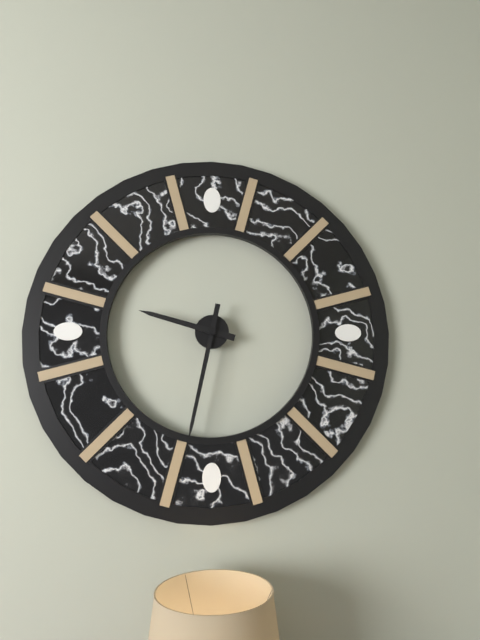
9:32
